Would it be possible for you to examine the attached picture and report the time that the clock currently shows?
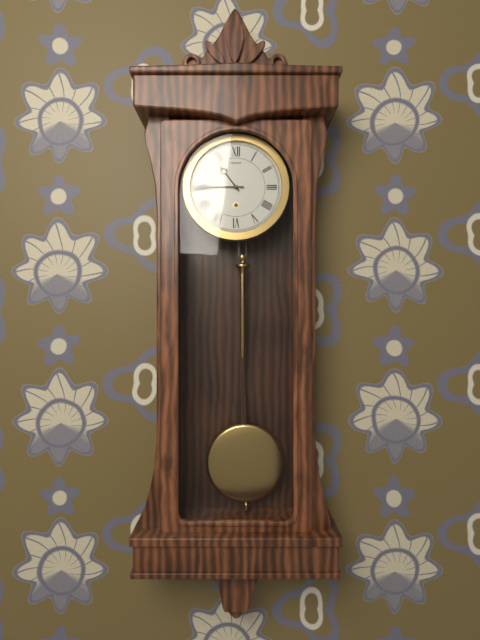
10:45
